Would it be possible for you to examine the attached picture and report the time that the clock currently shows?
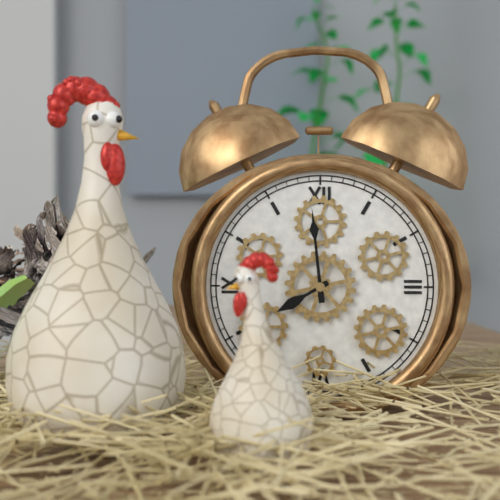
7:59
